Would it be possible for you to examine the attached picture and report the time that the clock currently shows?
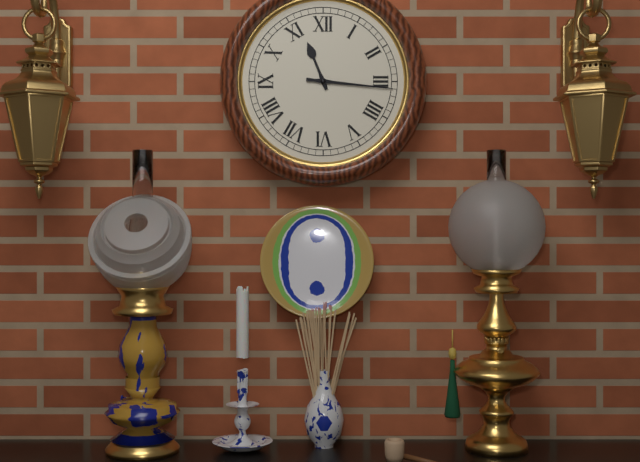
11:16
